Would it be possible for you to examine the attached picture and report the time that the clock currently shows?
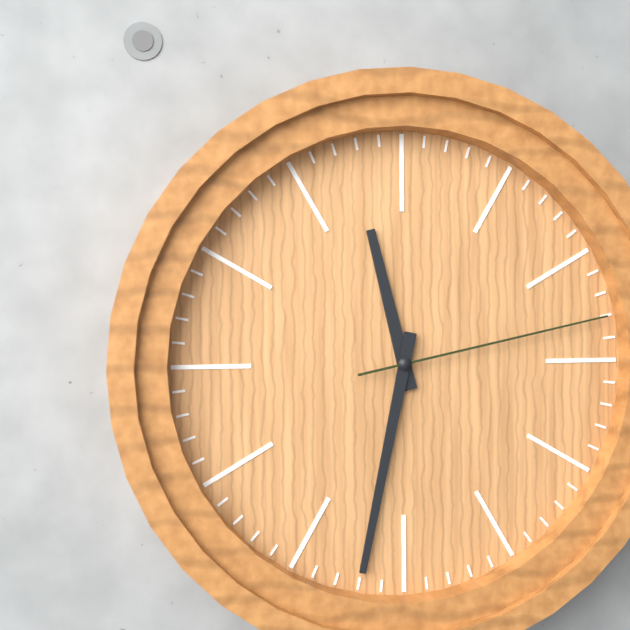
11:32:13
